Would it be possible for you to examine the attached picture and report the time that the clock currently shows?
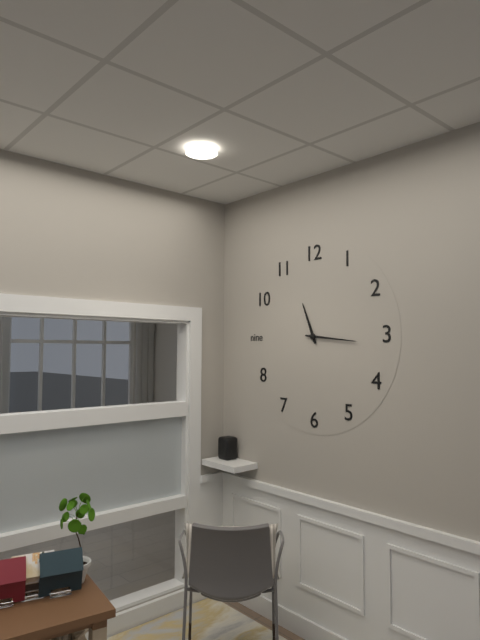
11:16
